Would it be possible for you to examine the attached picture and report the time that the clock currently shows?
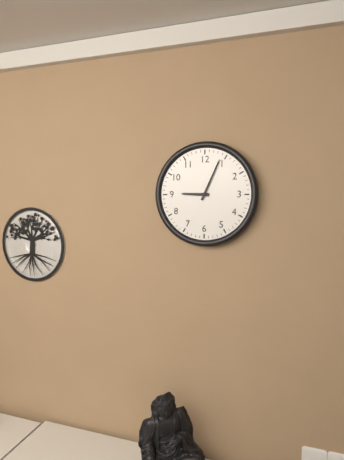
9:04
